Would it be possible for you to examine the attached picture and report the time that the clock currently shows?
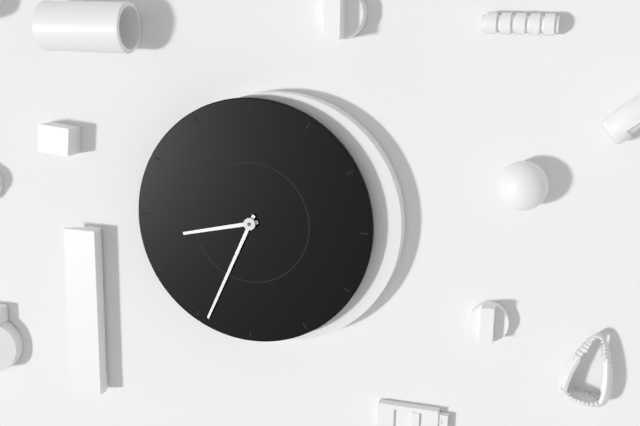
8:34
